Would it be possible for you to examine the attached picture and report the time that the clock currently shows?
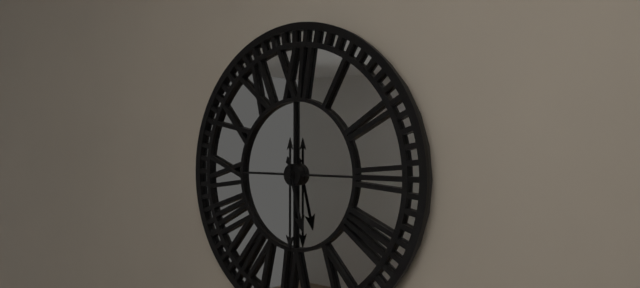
5:30
